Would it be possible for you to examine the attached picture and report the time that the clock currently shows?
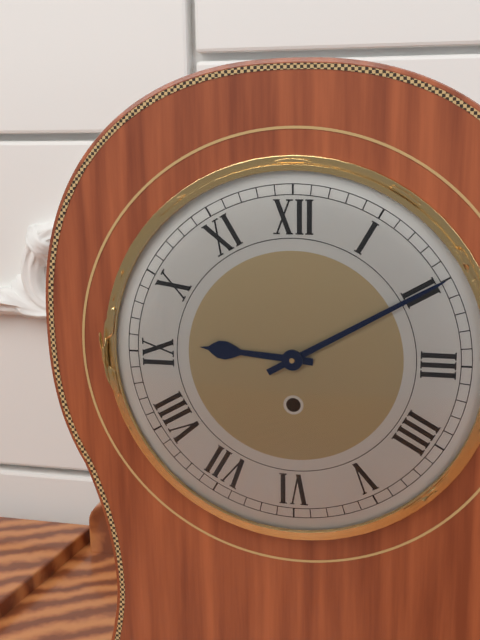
9:10
